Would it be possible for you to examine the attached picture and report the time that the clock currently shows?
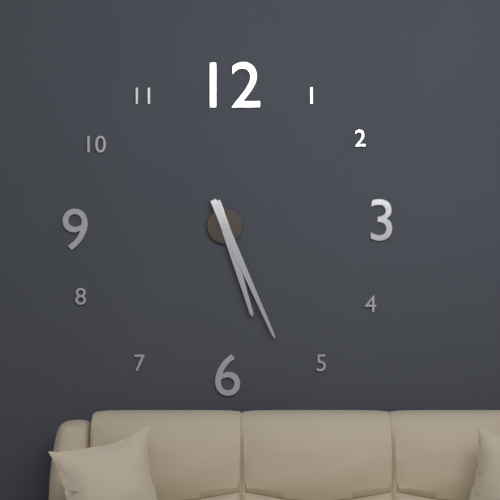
5:26
